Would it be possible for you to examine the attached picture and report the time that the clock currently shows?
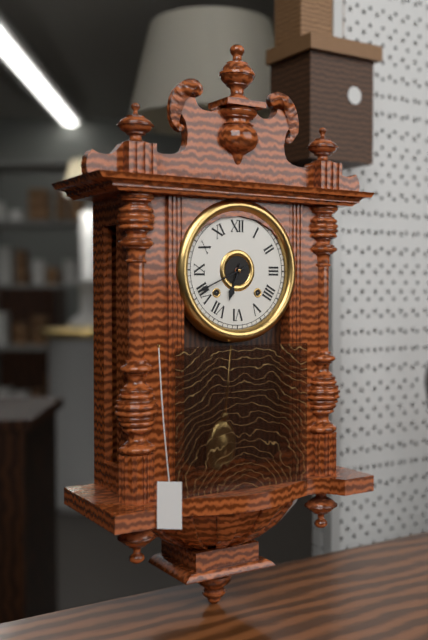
6:41
